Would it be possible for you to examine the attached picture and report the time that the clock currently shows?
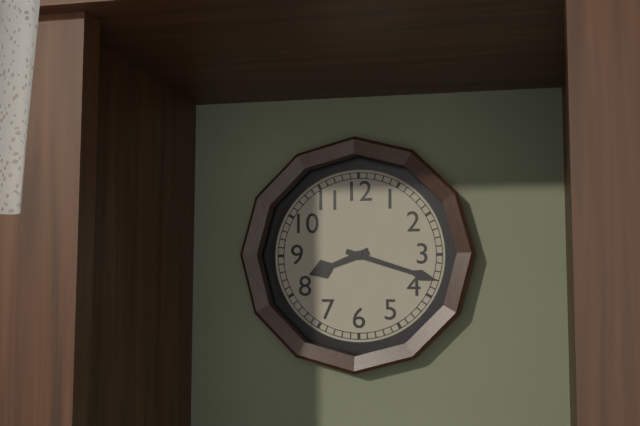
8:18
